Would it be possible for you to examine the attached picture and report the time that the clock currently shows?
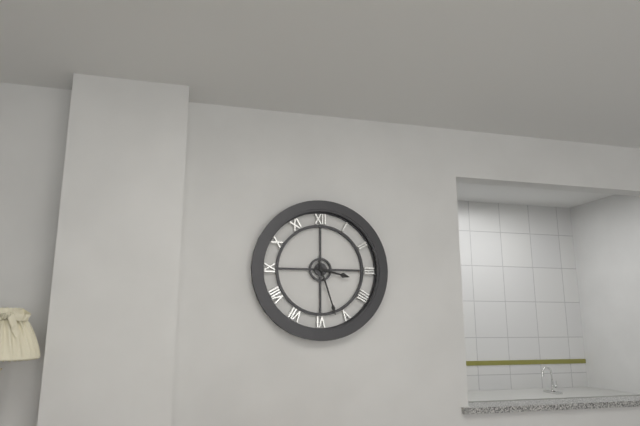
3:27
